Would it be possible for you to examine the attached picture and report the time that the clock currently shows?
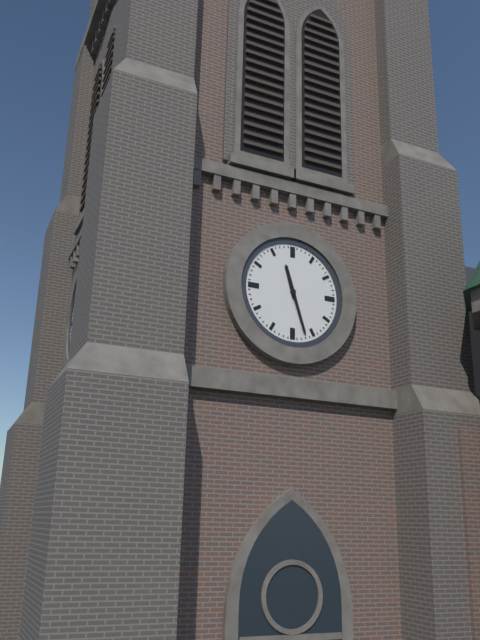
11:27
